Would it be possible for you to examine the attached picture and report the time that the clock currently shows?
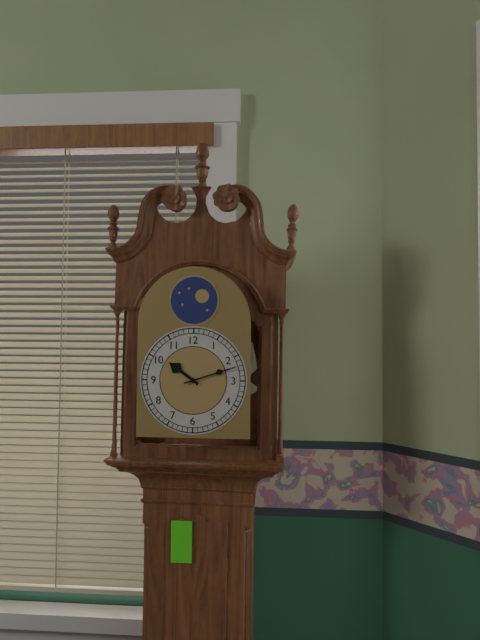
10:12
